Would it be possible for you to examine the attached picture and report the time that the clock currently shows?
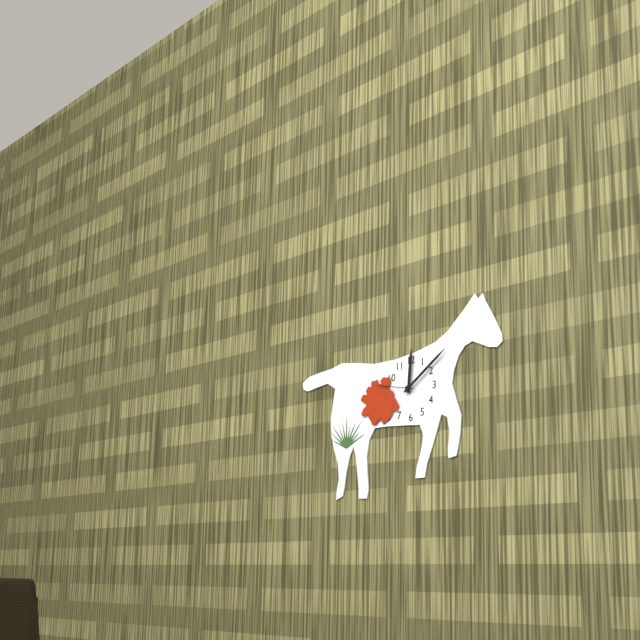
12:09
